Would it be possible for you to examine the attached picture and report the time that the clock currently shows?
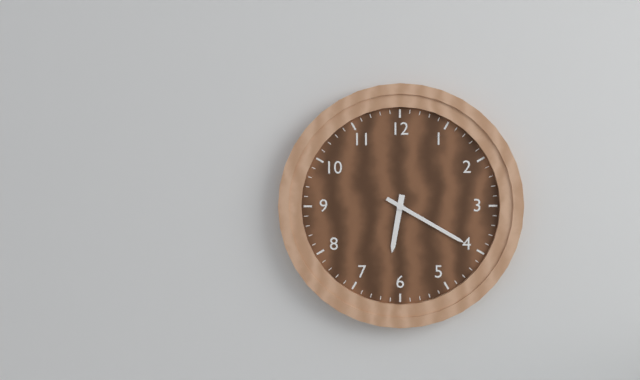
6:20
